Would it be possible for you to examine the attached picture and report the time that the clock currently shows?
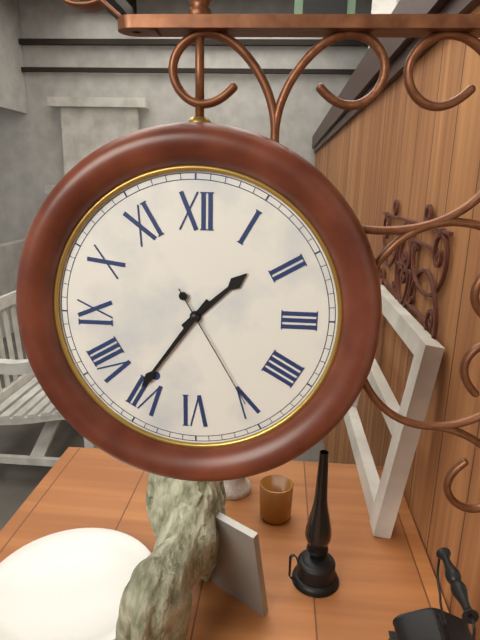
1:36:25
